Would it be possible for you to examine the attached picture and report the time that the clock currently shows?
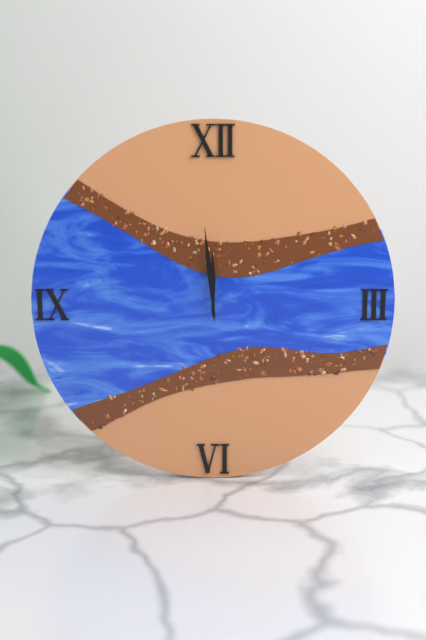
11:59
